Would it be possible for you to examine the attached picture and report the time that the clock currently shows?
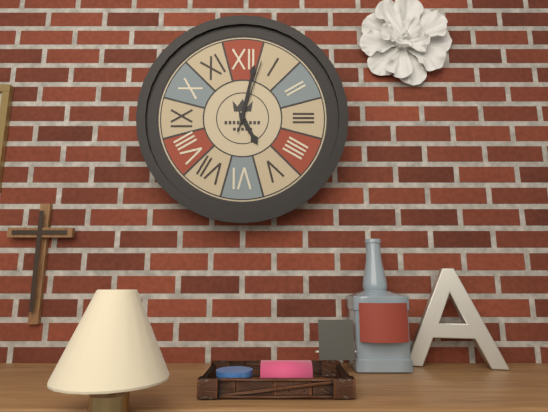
5:02:03
